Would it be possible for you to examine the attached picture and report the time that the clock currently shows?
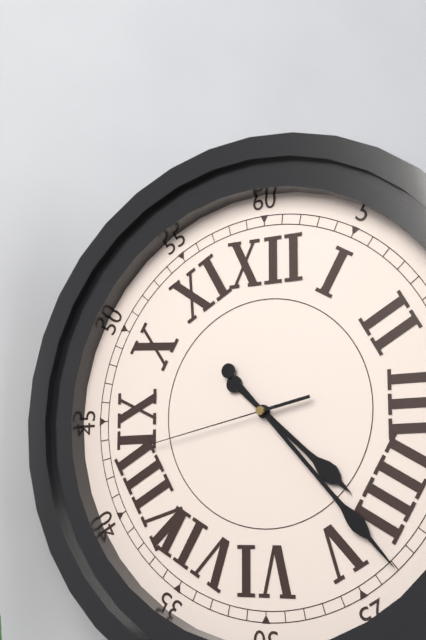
4:23:43
